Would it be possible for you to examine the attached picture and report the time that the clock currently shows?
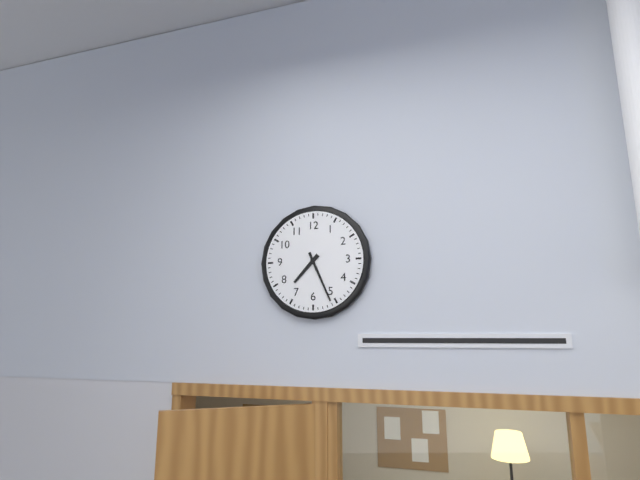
7:26
